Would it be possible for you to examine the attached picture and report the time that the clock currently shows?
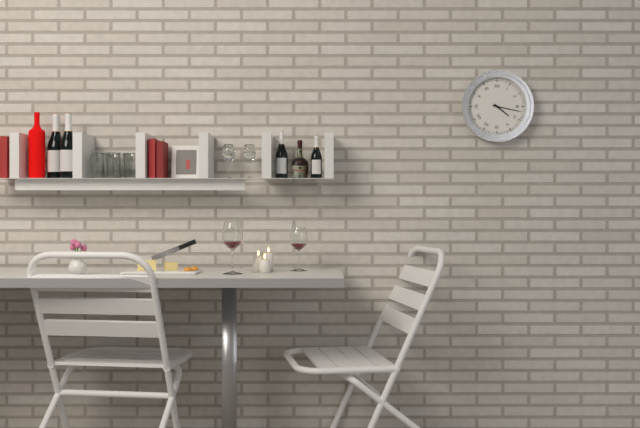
4:17
